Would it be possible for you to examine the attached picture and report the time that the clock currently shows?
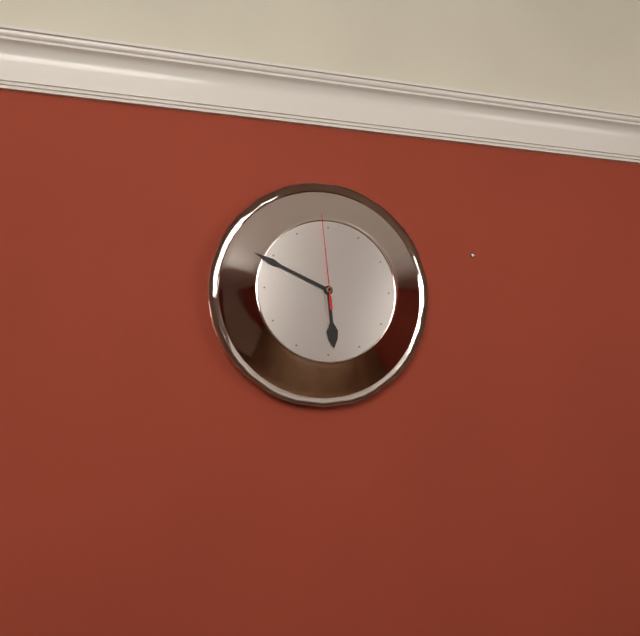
5:49:59
